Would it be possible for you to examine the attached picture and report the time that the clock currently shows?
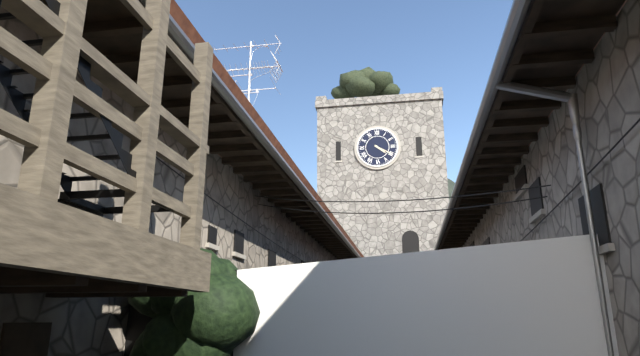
4:20
